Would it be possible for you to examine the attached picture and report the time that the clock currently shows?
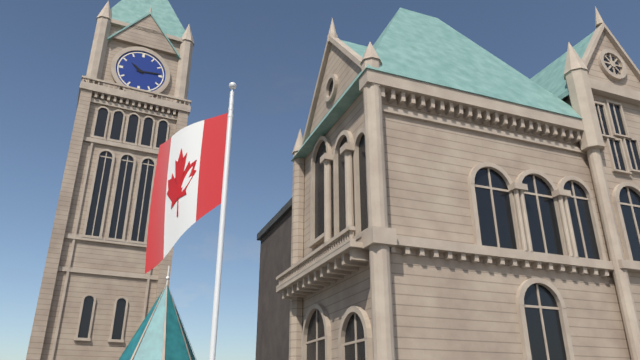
10:14
